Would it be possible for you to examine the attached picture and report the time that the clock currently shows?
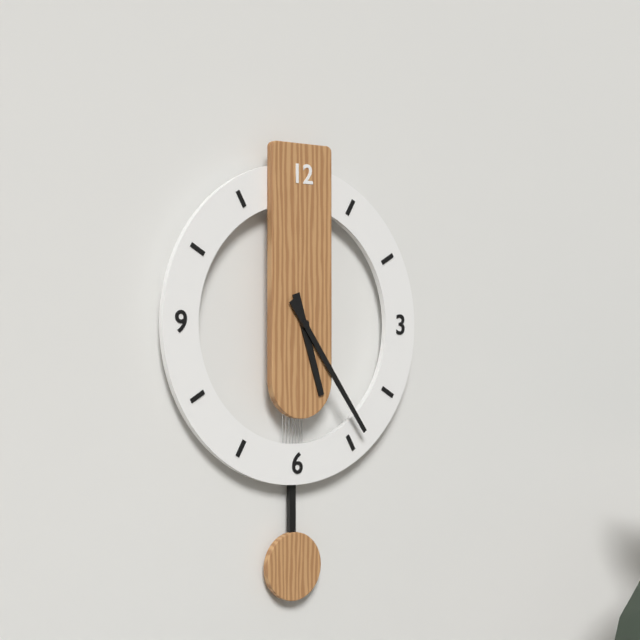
5:24
